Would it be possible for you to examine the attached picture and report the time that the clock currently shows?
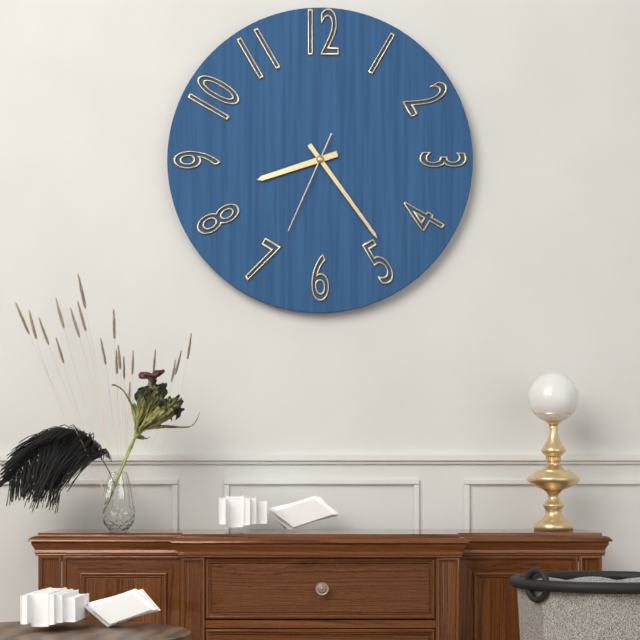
8:24:34
